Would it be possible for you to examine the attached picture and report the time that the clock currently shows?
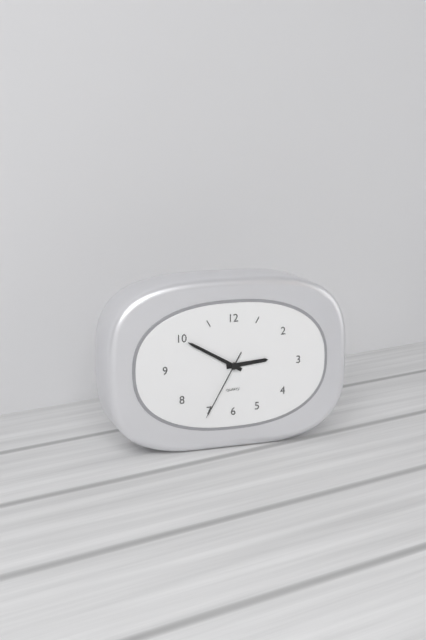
2:50:35
